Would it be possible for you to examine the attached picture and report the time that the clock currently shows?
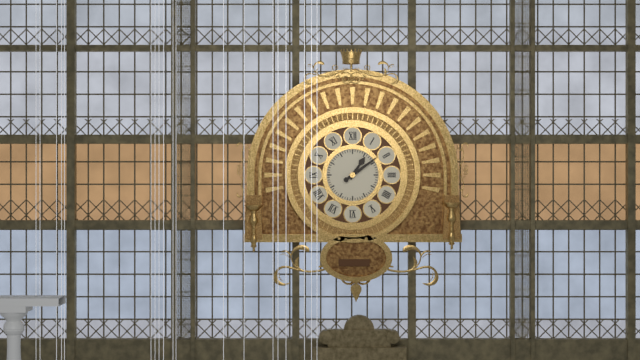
1:09
